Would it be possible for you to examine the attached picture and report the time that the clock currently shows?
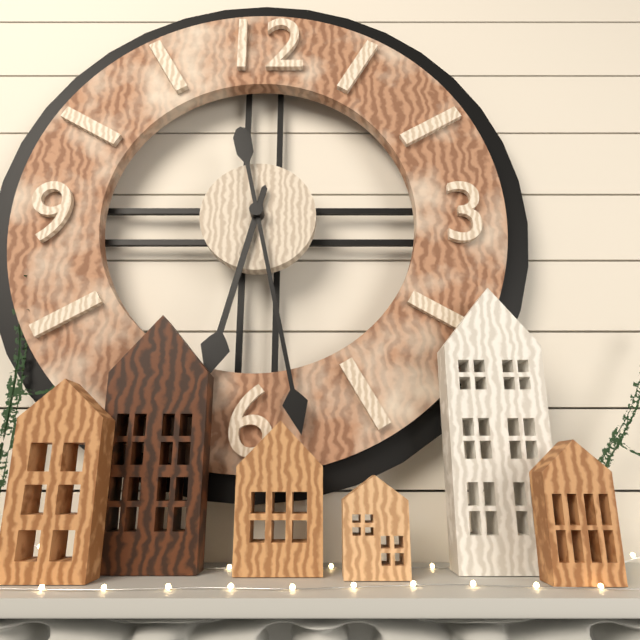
6:28
